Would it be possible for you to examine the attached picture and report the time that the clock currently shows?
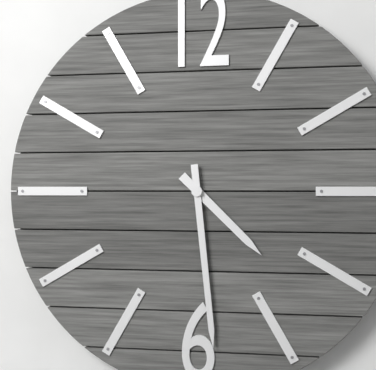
4:29
